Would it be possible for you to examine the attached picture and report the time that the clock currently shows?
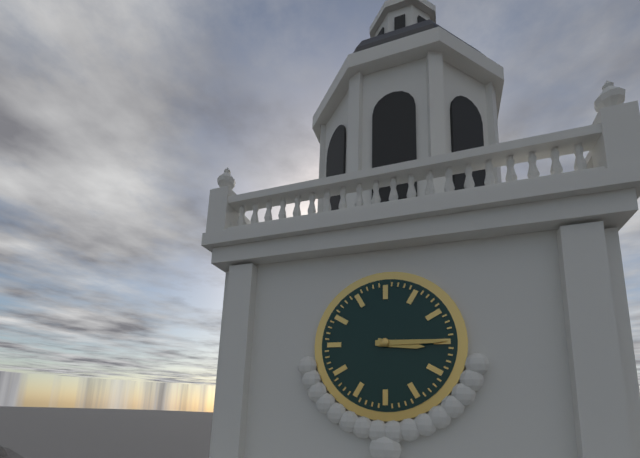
3:15
